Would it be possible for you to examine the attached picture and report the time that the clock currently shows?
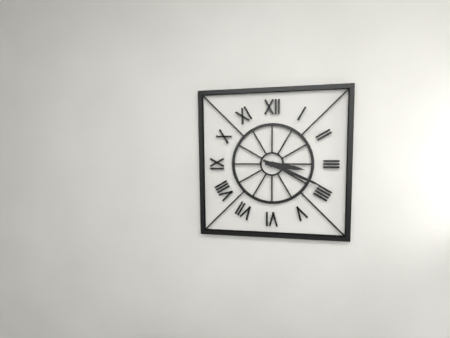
3:19
